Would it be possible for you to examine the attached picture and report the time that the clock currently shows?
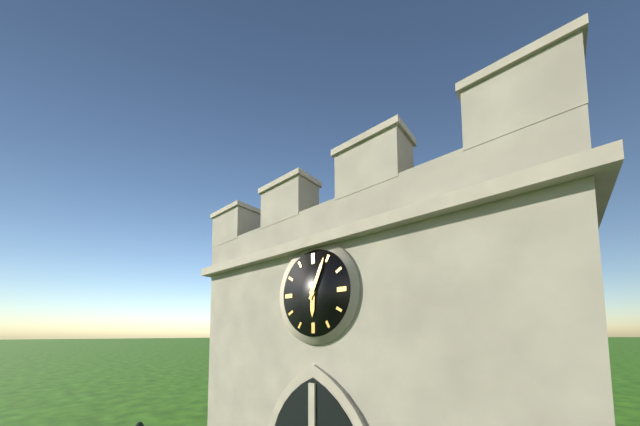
6:04
